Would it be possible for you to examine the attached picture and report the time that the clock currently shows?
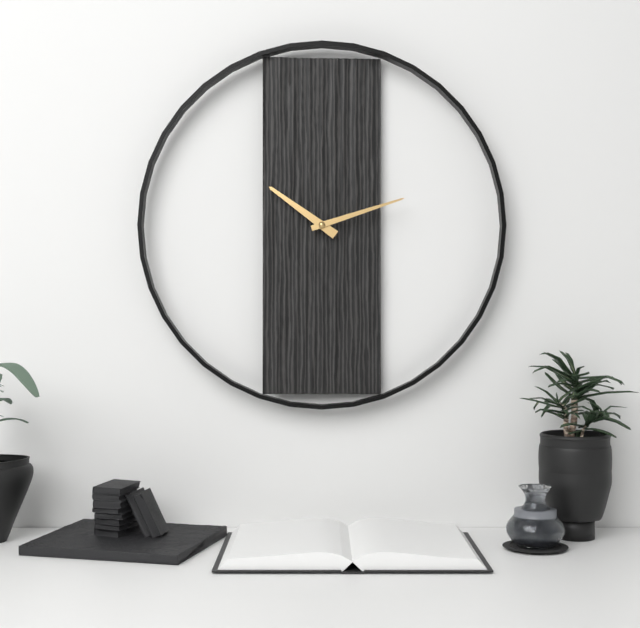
10:12
